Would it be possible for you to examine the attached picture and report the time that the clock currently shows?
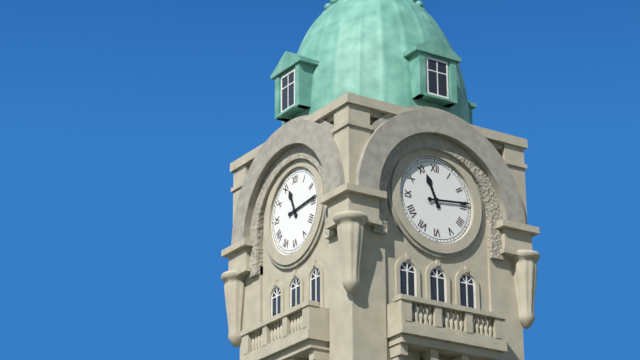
11:14
